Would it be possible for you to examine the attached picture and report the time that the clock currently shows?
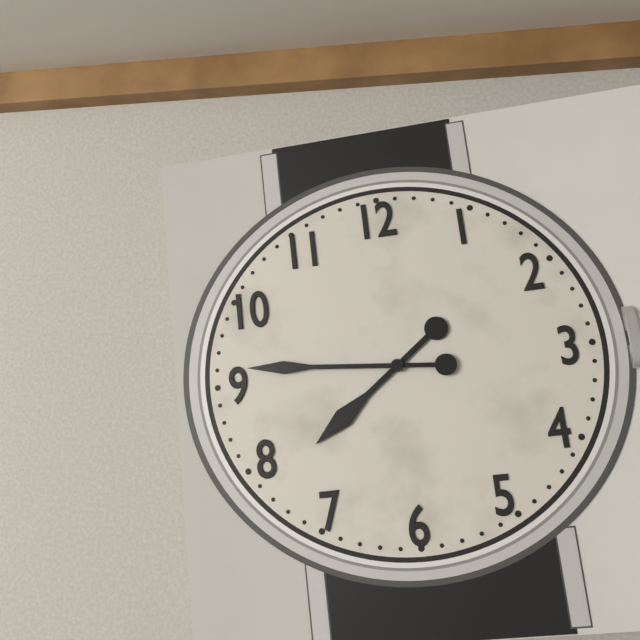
7:46
